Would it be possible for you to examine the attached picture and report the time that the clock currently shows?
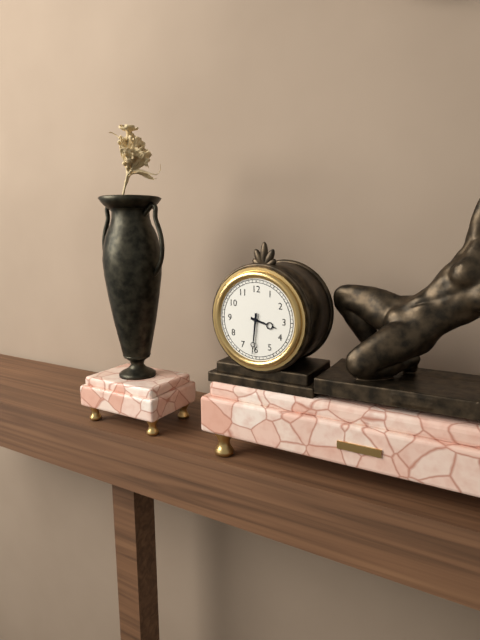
3:31
